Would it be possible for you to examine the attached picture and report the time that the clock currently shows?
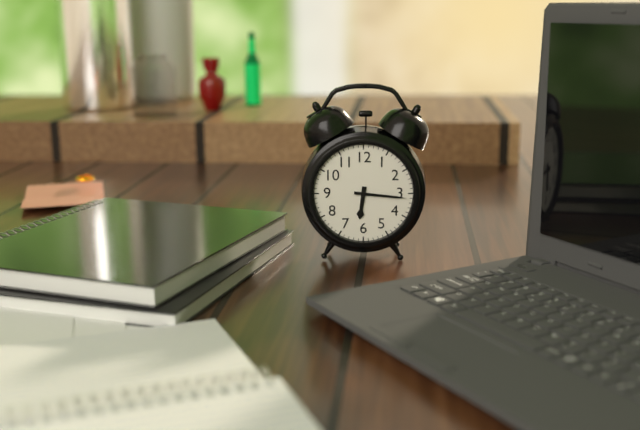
6:16
